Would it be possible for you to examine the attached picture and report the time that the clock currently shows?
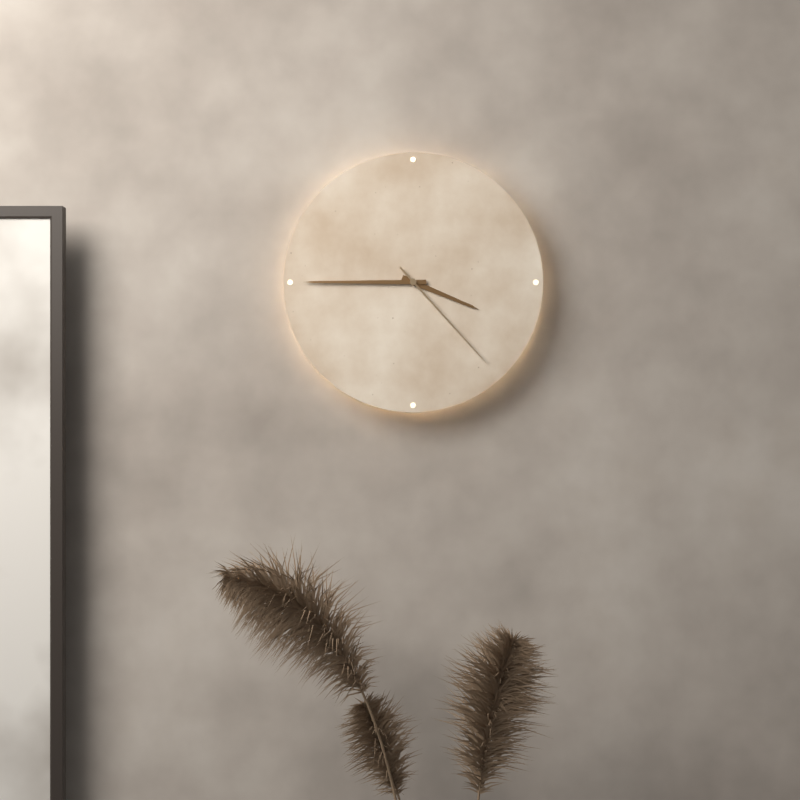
3:45:23
